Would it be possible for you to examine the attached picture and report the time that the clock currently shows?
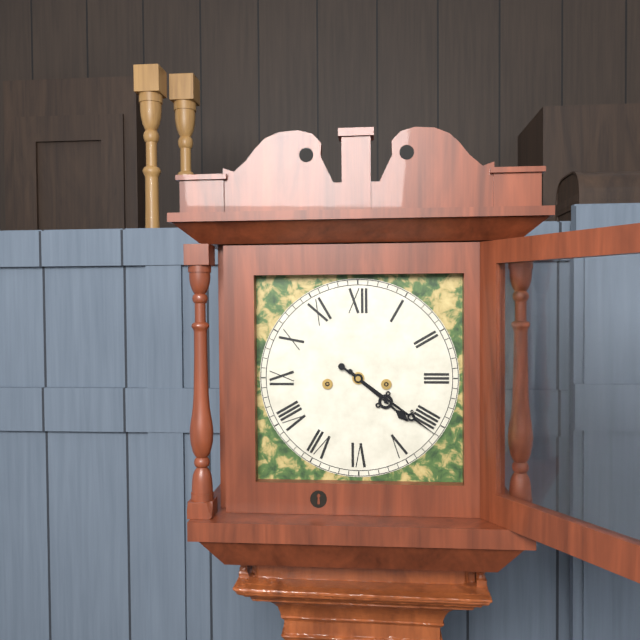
4:21
